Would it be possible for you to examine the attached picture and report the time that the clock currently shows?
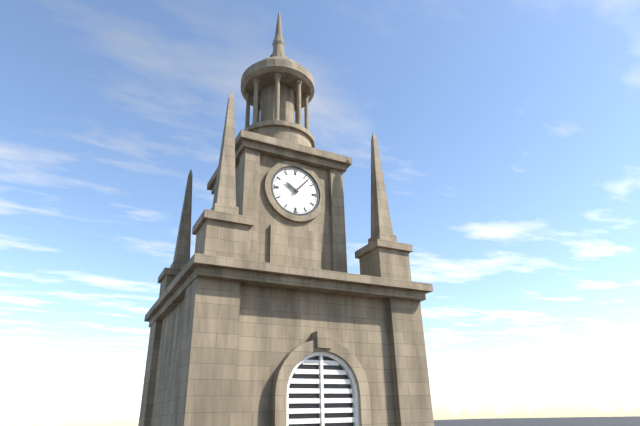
10:07
